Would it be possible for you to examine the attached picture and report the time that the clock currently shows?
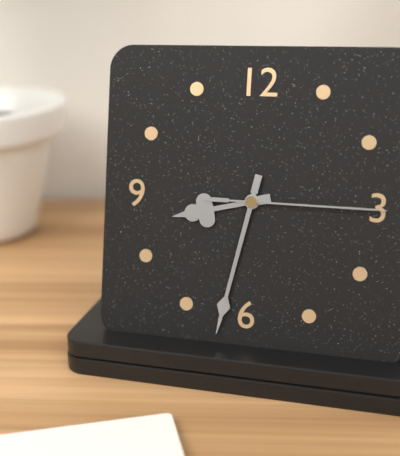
8:32:15
